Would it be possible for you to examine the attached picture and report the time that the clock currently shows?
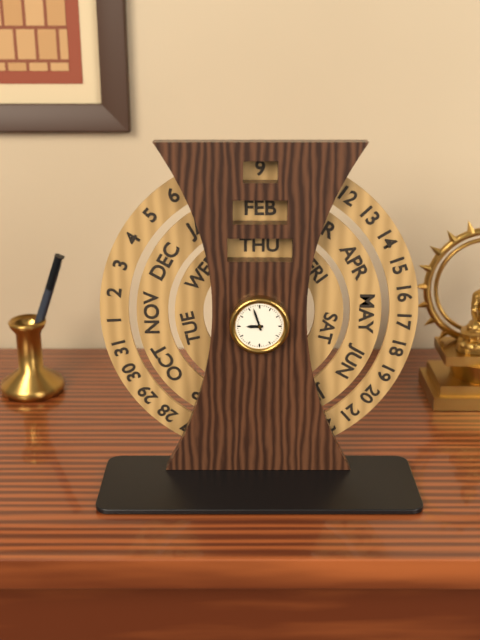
8:57
